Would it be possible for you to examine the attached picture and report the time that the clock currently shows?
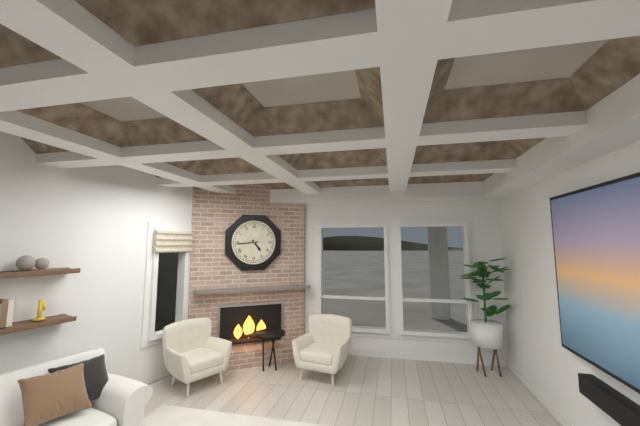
4:44
